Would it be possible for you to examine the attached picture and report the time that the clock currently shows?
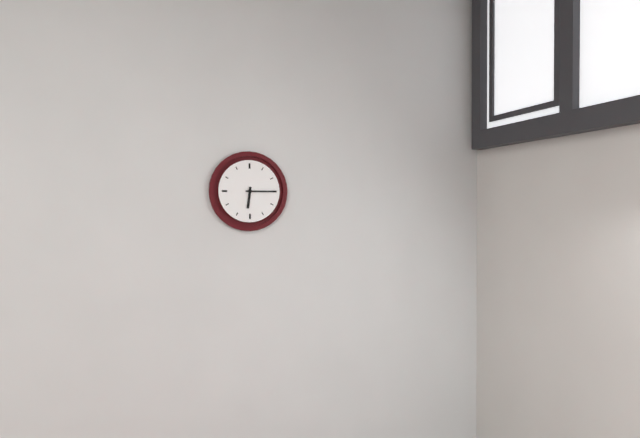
6:15
